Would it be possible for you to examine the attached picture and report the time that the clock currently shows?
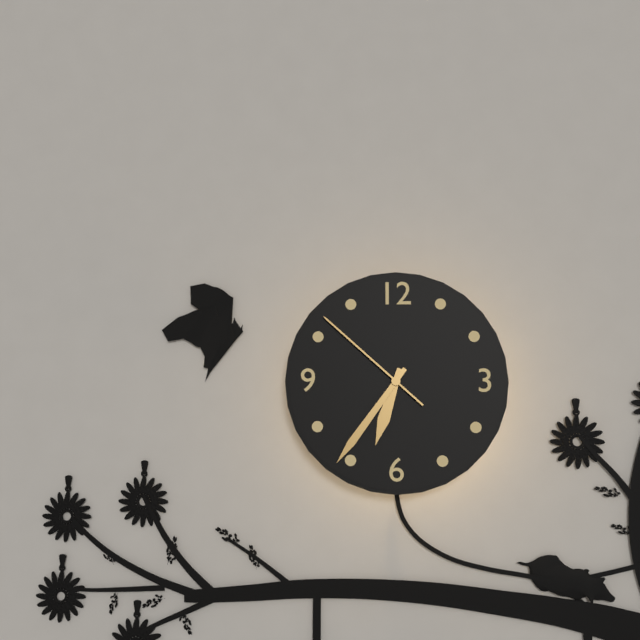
6:36:52
